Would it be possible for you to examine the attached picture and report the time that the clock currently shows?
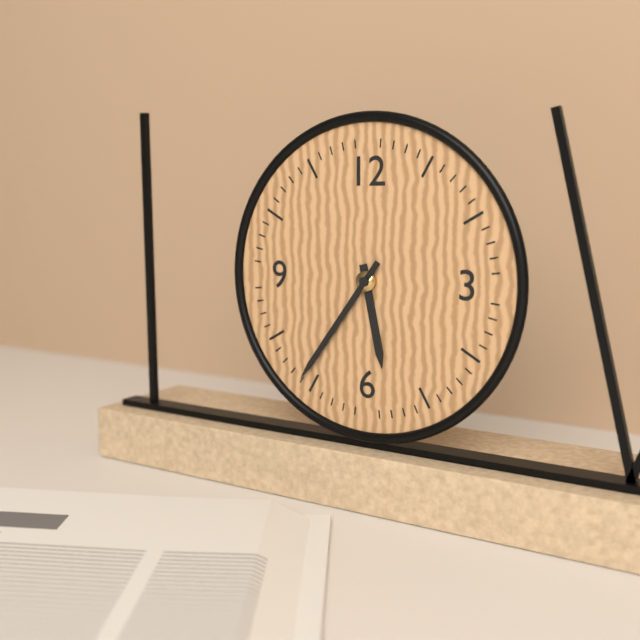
5:36
